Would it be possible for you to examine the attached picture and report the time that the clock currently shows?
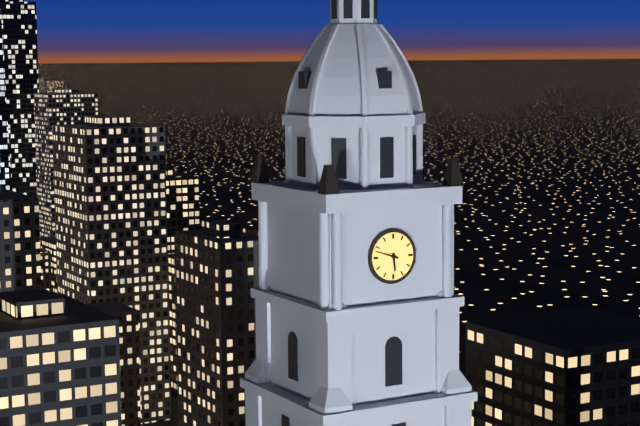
5:48
